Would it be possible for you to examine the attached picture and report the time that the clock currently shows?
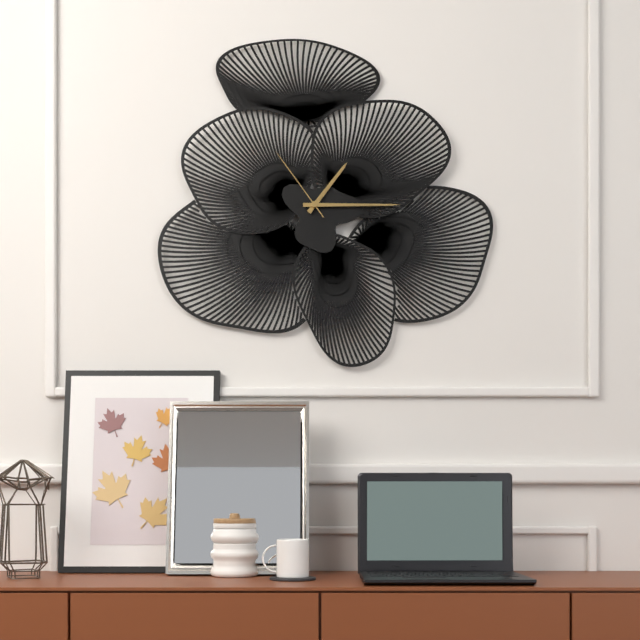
1:15:54
